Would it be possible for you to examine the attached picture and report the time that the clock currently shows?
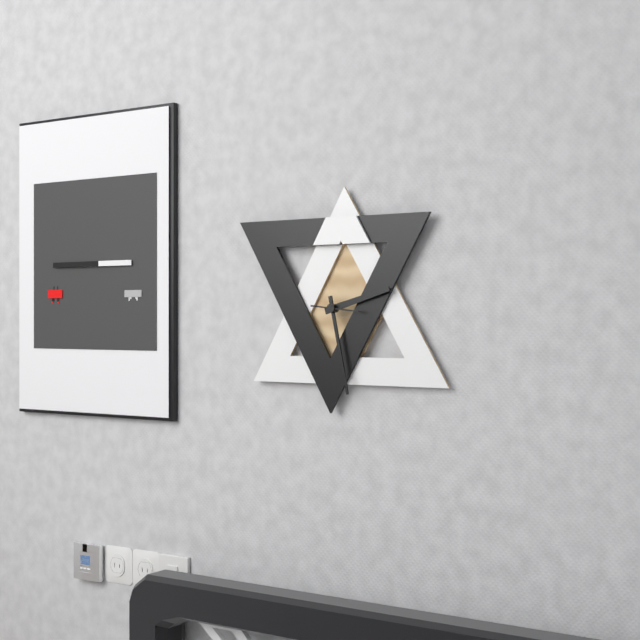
2:28
